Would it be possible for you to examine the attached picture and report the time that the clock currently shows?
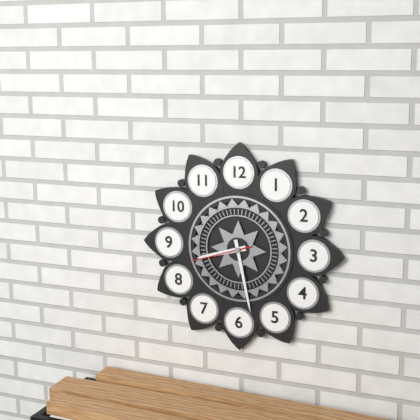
8:28:42
